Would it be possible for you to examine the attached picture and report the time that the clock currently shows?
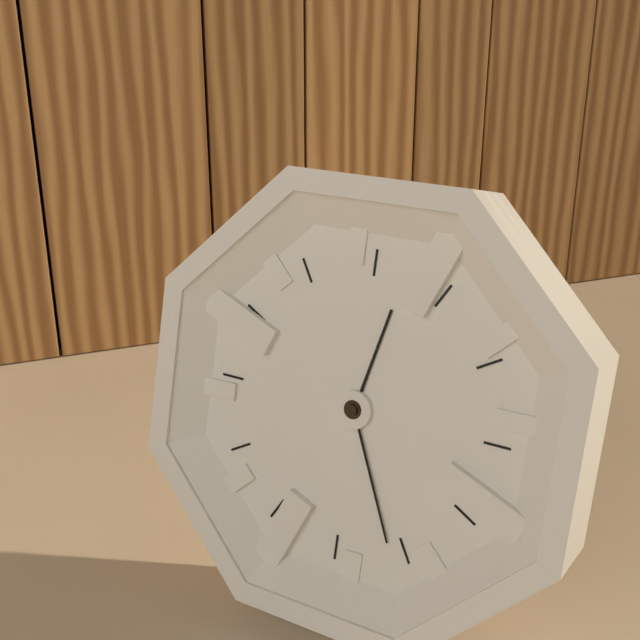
12:26
